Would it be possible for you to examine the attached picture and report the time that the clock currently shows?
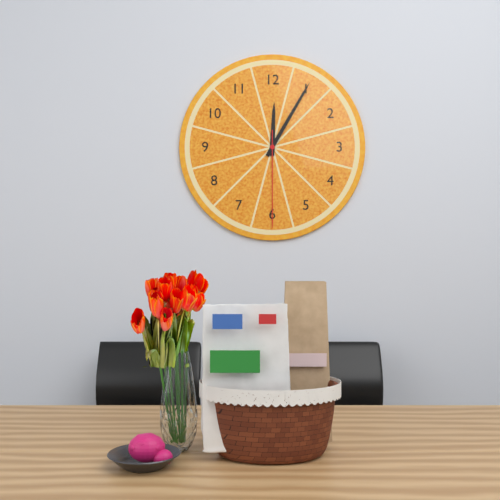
12:05:30
